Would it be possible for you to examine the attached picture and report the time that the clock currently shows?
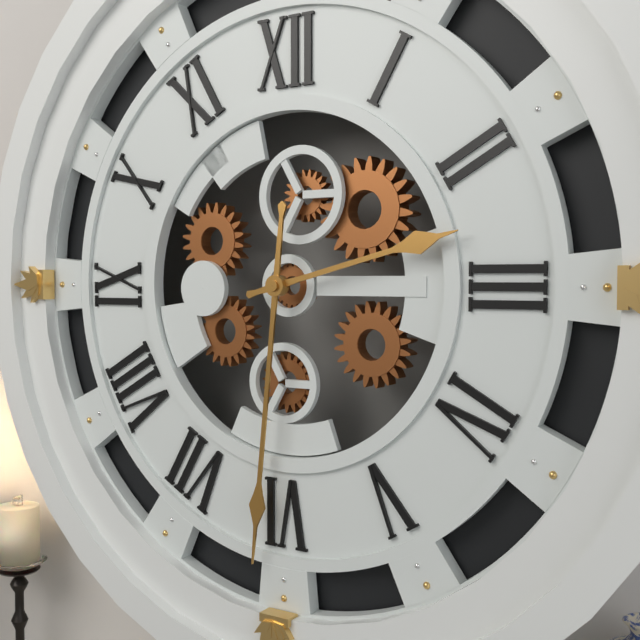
2:31
